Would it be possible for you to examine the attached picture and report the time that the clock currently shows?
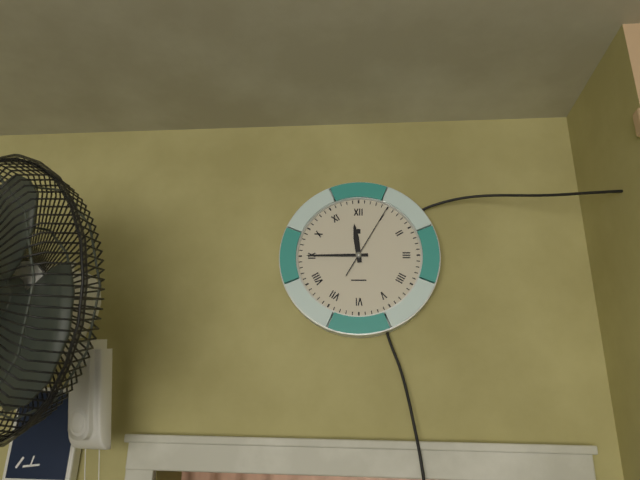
11:45:05
